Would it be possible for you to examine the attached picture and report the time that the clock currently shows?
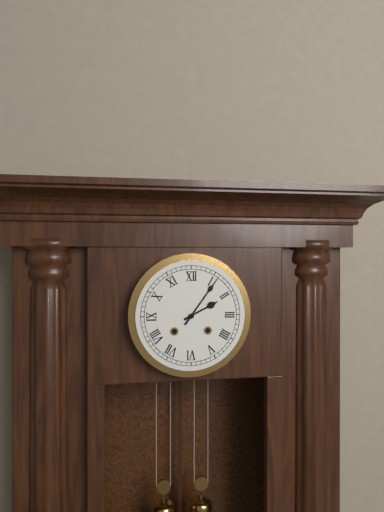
2:06
